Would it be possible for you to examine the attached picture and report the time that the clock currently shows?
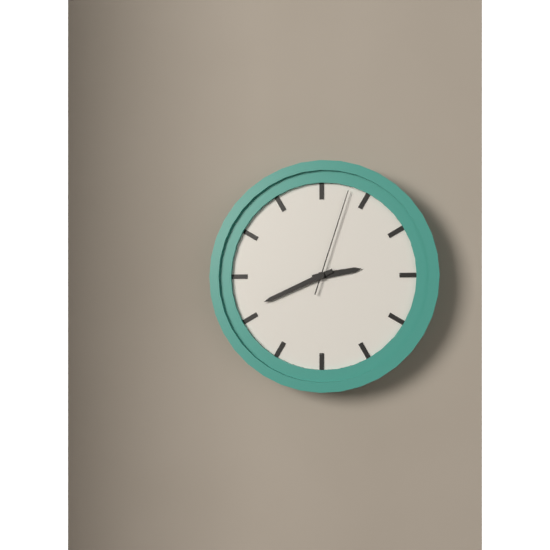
2:41:03
